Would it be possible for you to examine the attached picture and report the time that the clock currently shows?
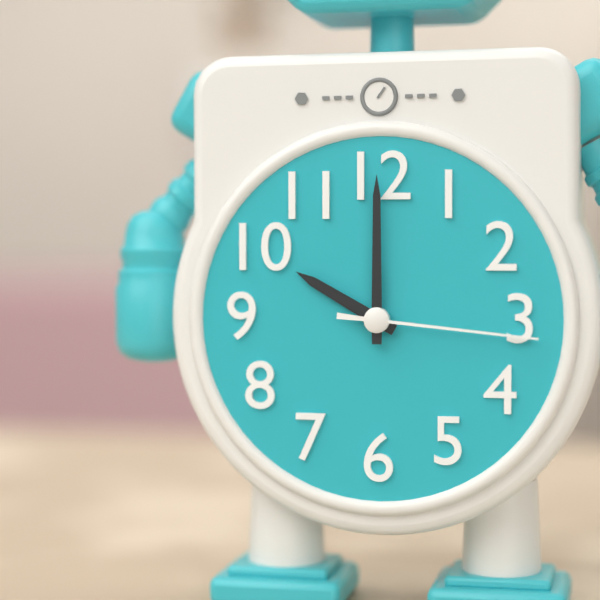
10:00:16
